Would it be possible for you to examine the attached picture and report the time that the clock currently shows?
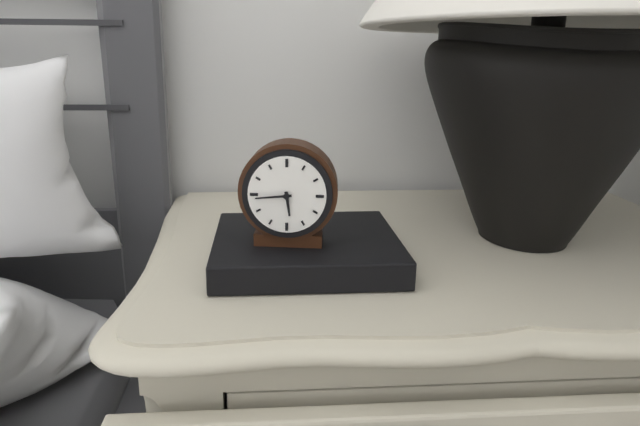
5:44
